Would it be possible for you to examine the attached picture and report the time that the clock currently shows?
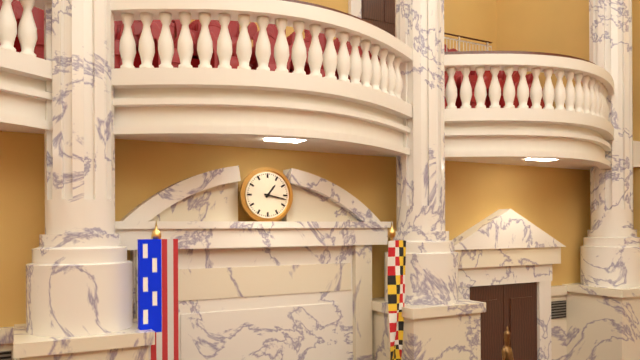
1:17
